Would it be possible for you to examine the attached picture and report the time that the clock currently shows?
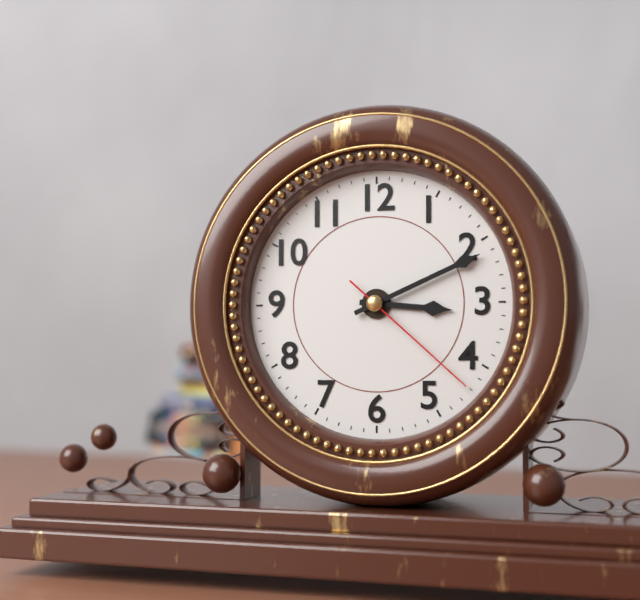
3:11:22
